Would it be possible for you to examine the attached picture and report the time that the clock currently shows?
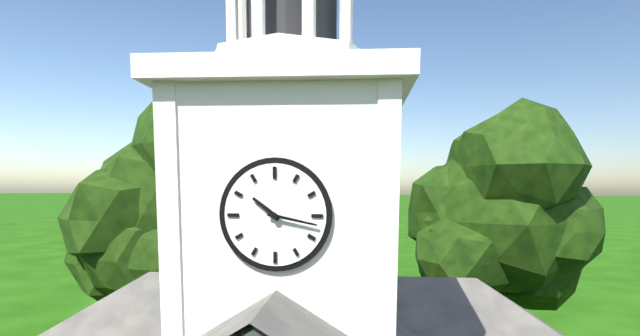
10:17
